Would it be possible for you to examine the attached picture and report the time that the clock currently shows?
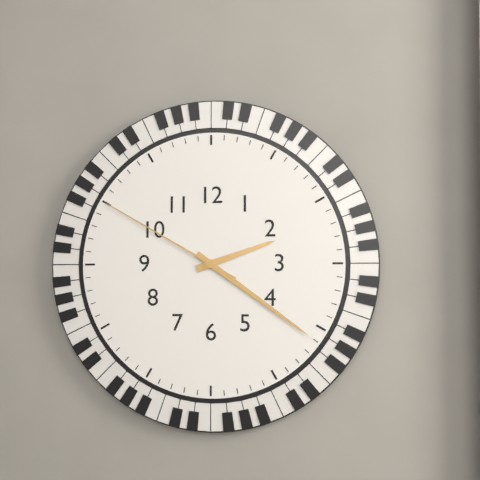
2:21:50
